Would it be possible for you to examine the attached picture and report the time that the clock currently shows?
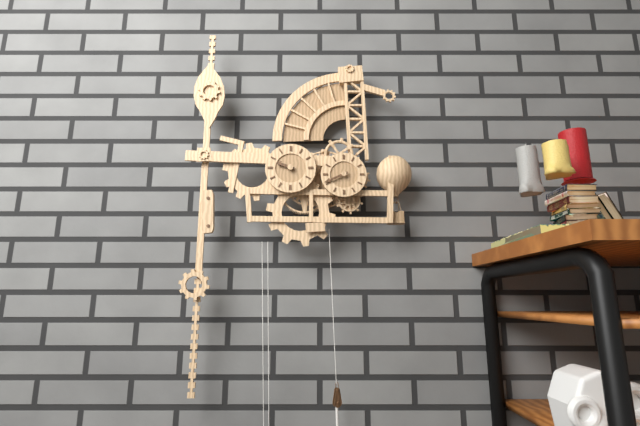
9:41
